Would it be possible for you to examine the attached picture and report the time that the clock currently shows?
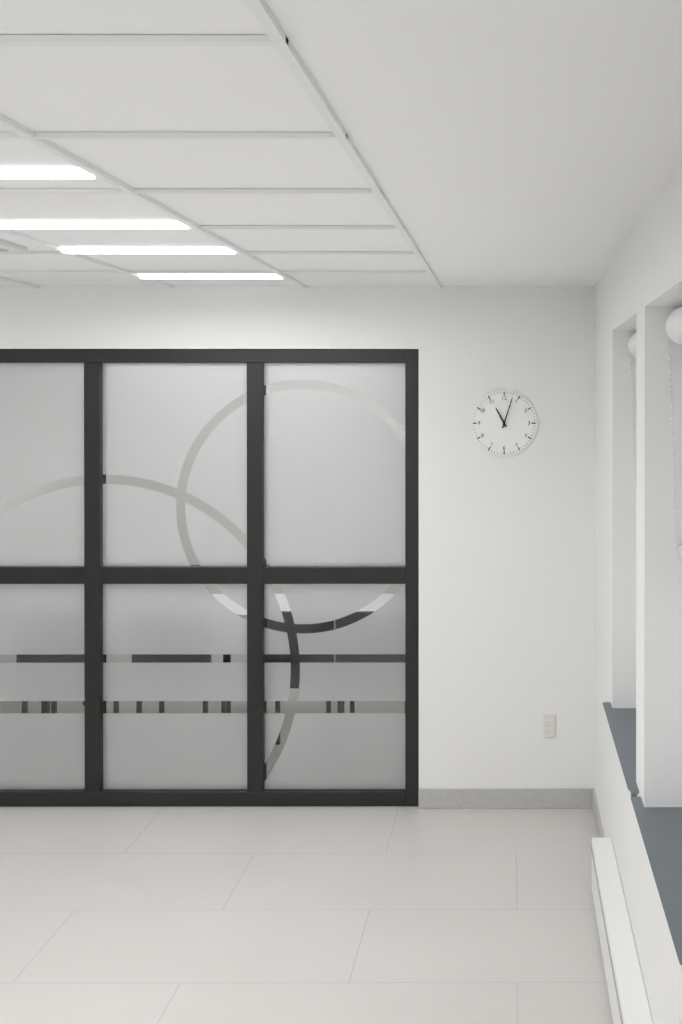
11:03
